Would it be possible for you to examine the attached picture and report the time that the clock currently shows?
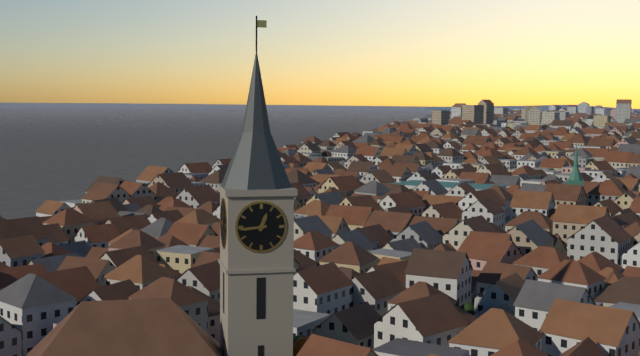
12:44
